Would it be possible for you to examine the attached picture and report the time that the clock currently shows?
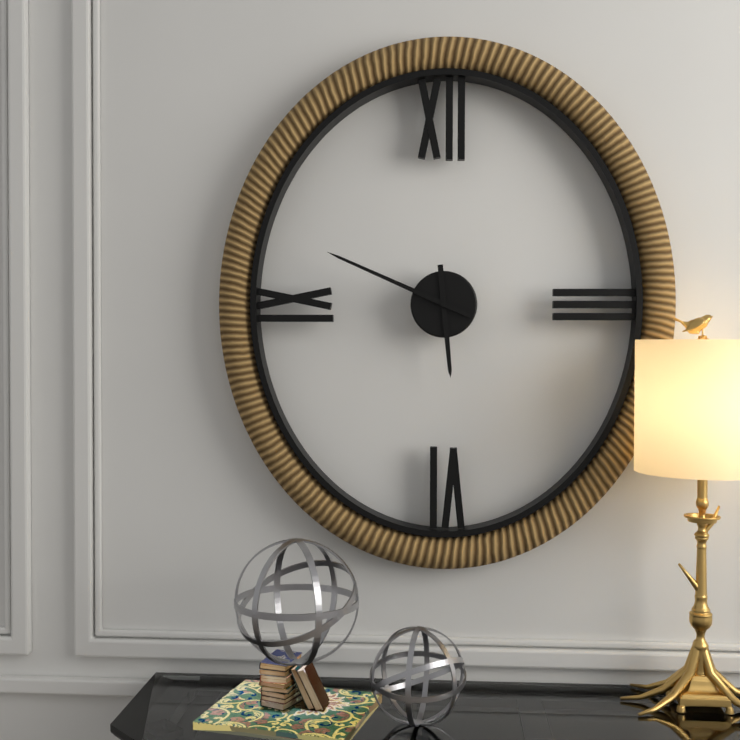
5:49
